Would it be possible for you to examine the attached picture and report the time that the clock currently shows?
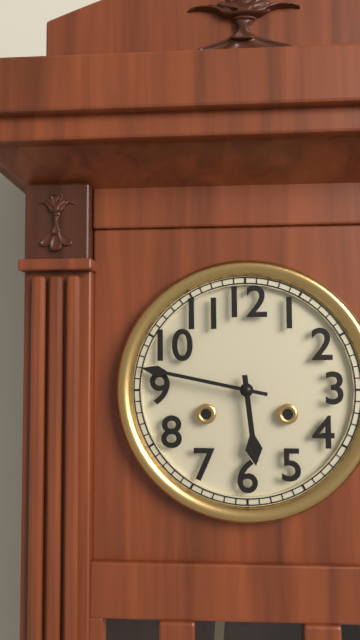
5:47
